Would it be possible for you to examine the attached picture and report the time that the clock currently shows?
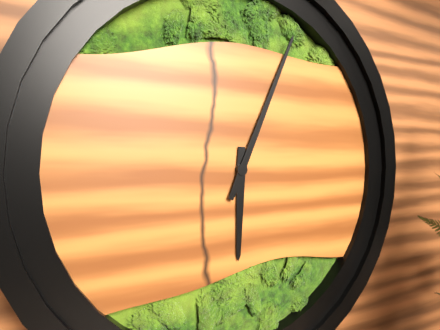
6:04
